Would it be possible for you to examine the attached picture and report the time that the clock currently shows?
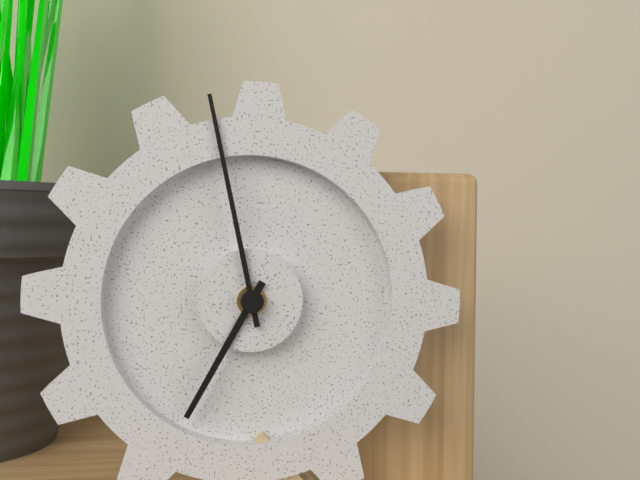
6:58
